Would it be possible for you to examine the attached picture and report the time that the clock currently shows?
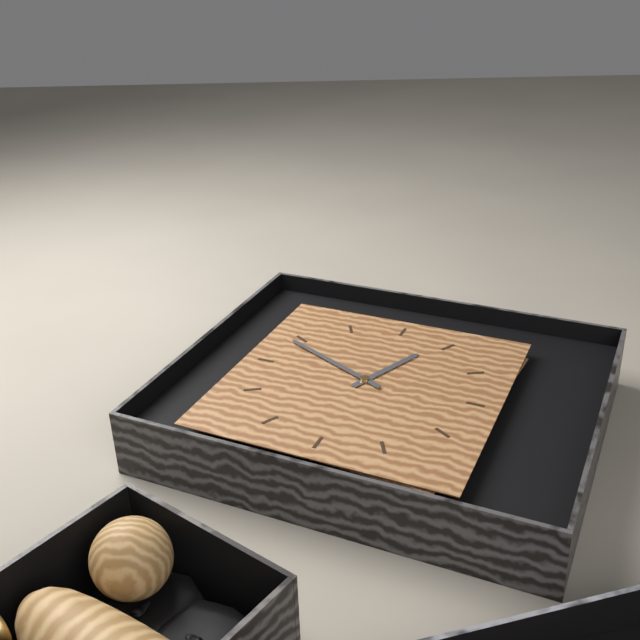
12:49
